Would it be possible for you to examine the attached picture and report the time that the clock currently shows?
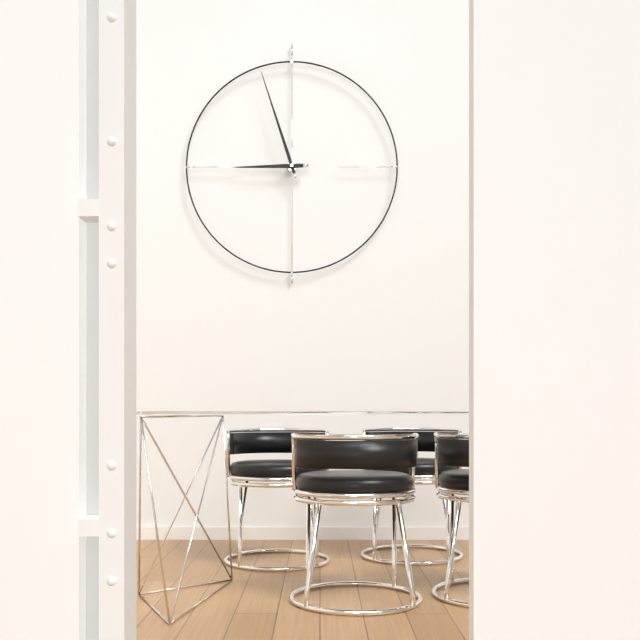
8:57
